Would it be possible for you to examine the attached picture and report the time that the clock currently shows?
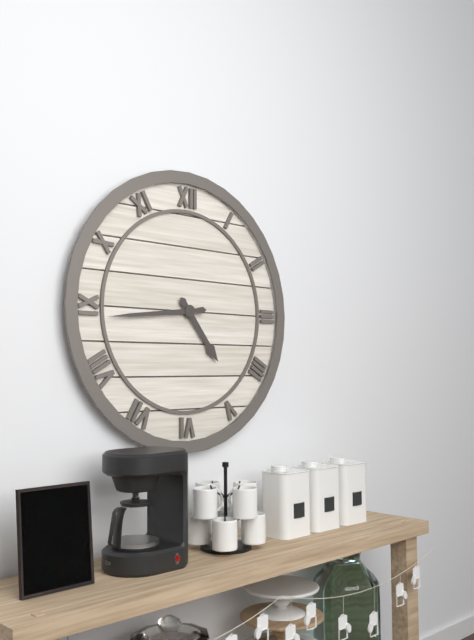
4:44
